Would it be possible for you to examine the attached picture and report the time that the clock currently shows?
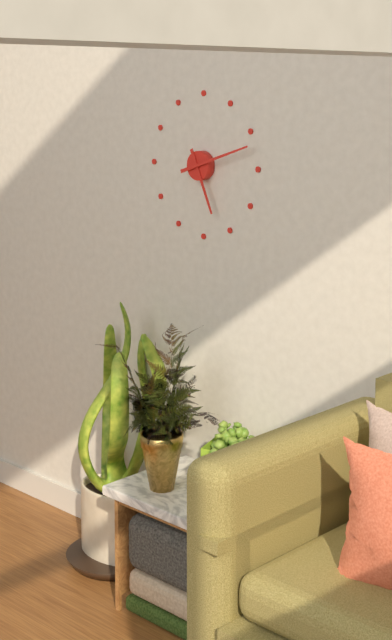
5:12
